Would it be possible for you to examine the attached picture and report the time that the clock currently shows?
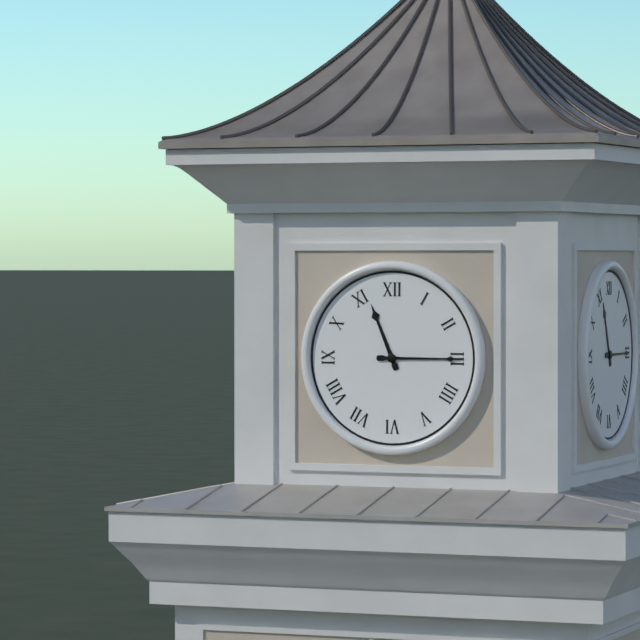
11:15
